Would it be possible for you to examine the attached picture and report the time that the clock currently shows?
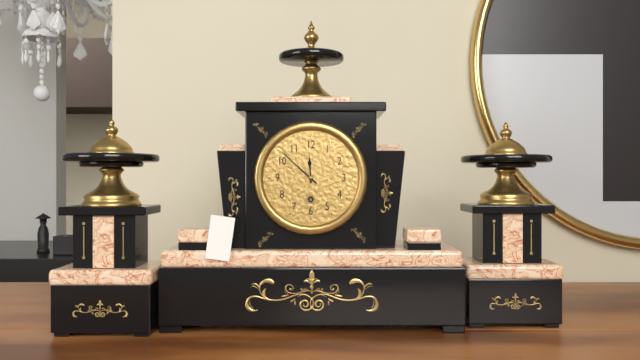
11:52
